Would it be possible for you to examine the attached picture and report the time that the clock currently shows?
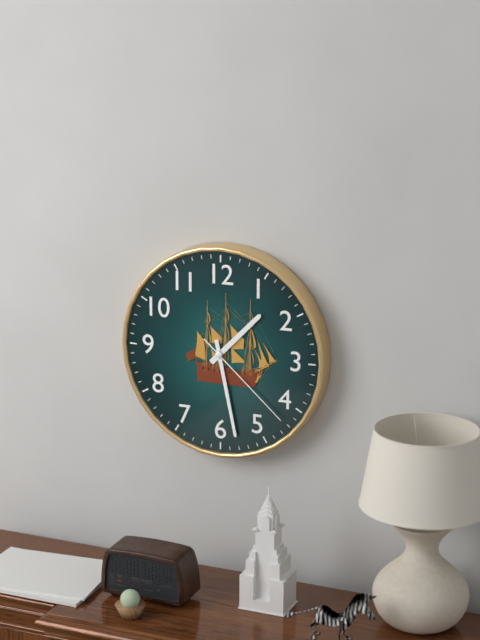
1:28:22
